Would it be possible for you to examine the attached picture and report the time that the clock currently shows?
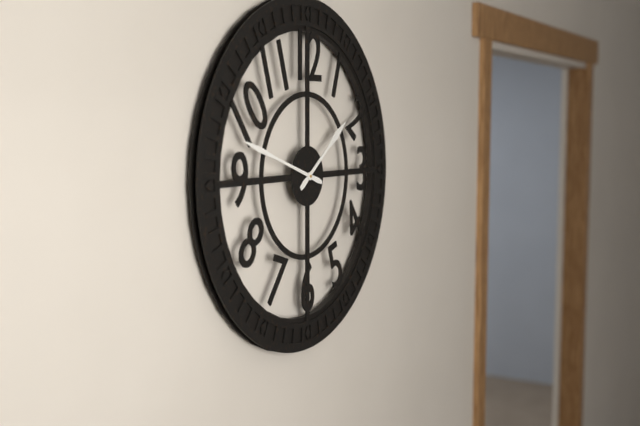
1:48
